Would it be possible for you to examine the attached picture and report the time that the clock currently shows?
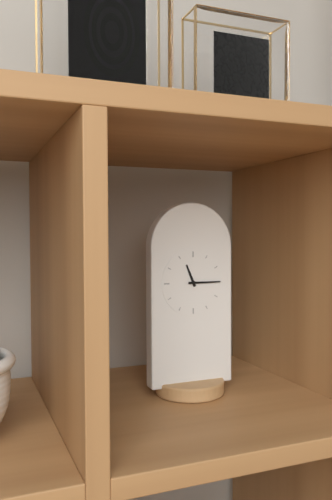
11:15
